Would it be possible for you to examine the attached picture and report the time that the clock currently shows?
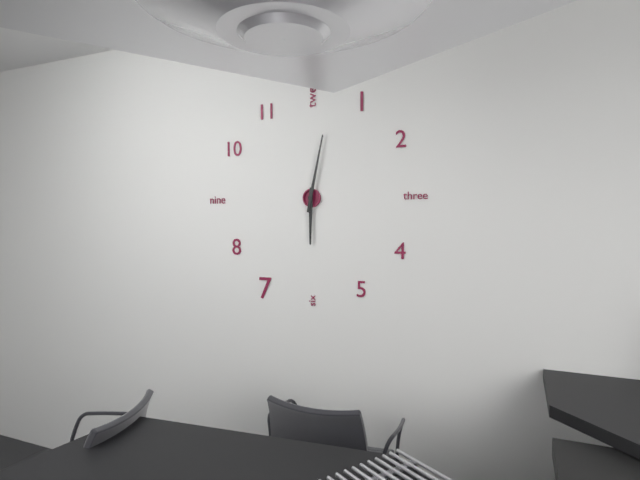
6:02
